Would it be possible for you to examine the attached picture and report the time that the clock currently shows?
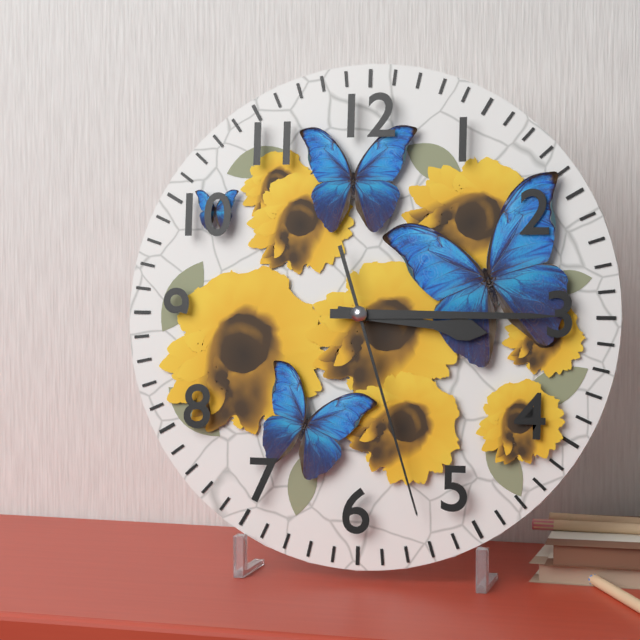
3:15:27
